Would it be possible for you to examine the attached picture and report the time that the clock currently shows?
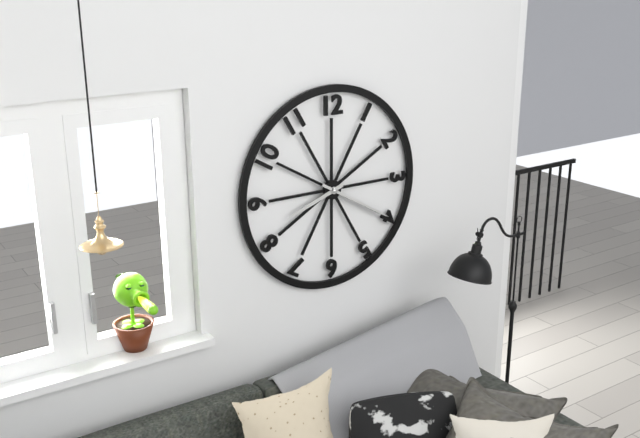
8:20
